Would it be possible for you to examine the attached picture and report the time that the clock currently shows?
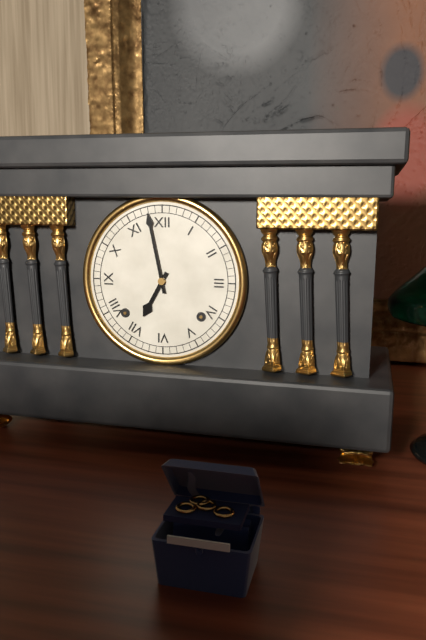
6:58
